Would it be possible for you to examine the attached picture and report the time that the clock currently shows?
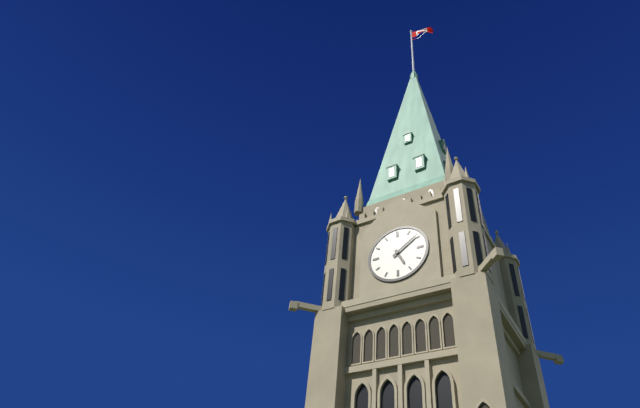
5:09
